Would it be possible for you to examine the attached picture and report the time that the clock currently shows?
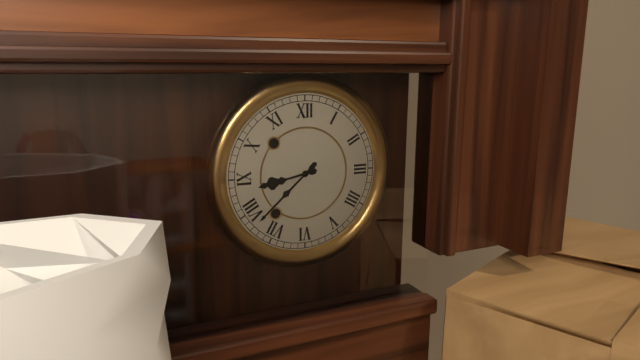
8:38
